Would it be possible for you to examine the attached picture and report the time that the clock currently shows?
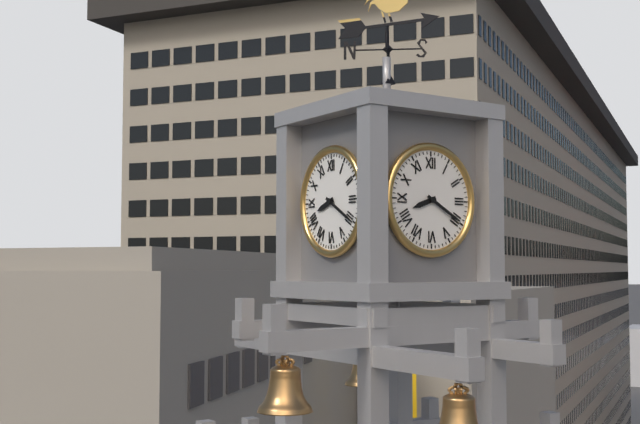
8:20
